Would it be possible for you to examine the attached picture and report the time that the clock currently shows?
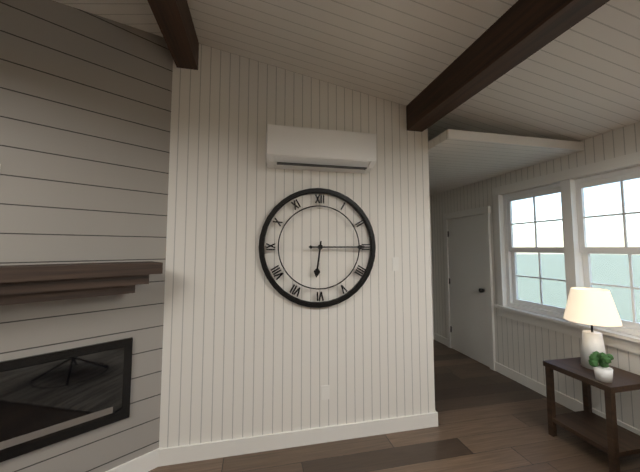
6:15
